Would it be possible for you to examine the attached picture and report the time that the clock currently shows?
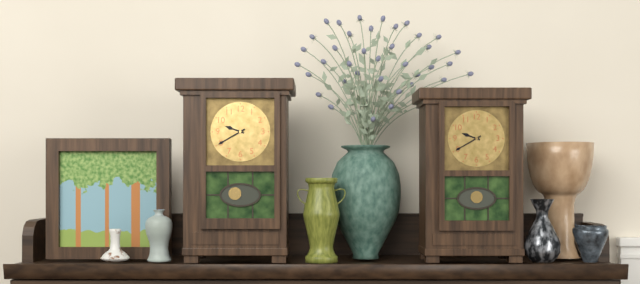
9:40
